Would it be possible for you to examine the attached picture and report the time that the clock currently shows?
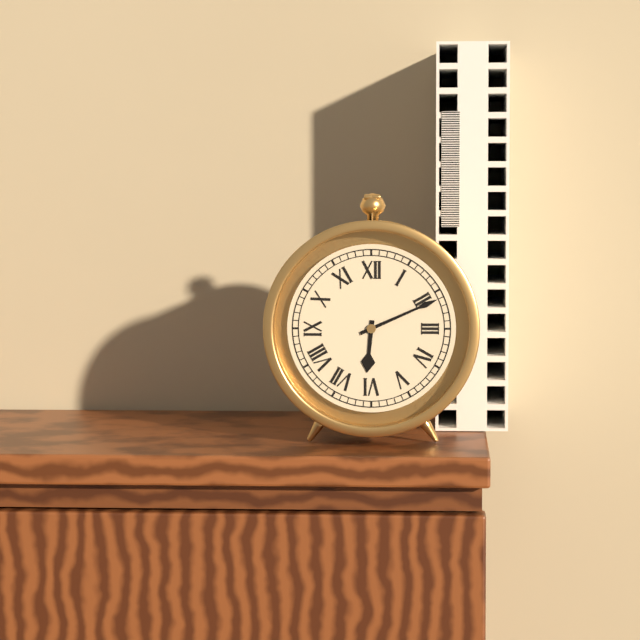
6:11
